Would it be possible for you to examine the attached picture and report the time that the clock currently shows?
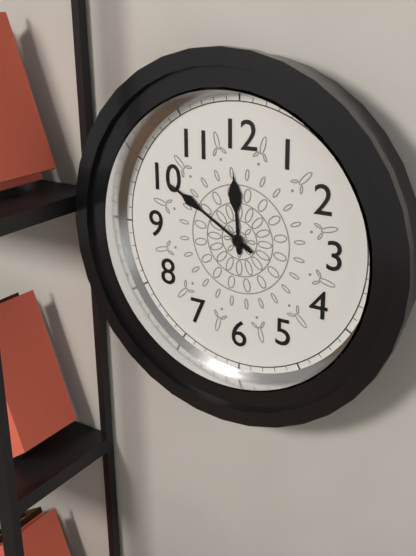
11:50
